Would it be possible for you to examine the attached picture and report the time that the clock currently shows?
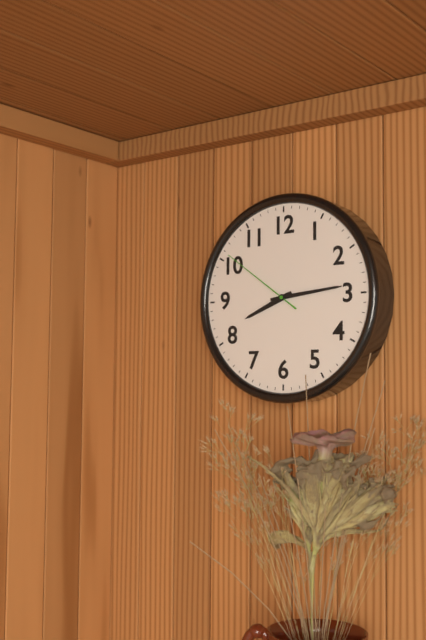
8:14:51
